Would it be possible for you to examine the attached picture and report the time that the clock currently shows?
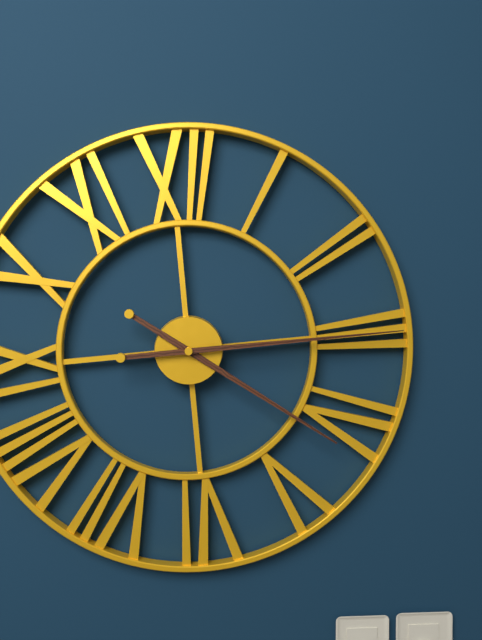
4:15
